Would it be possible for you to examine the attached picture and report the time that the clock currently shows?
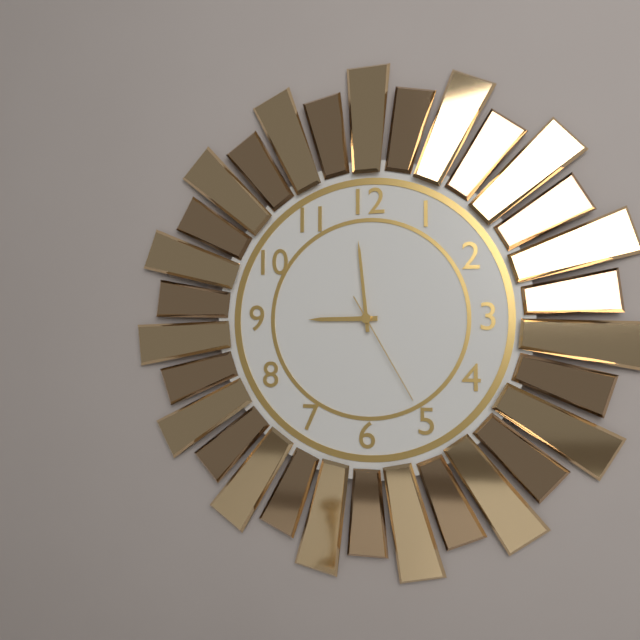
8:59:25
